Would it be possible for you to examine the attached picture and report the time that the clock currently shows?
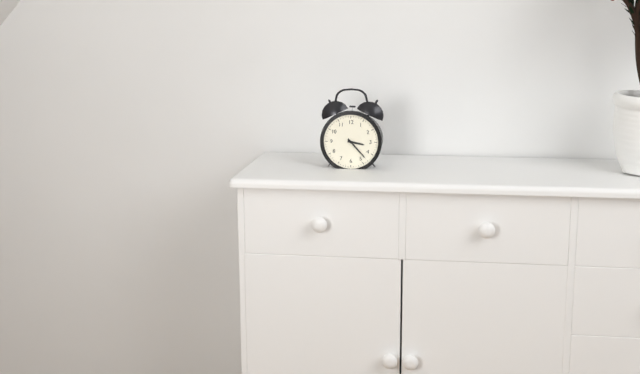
3:23
